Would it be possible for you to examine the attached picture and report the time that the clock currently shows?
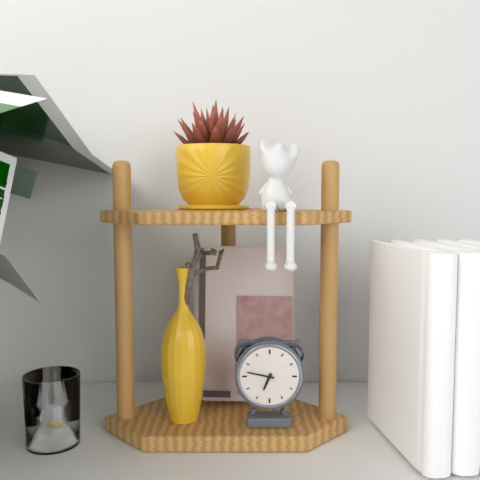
6:47
